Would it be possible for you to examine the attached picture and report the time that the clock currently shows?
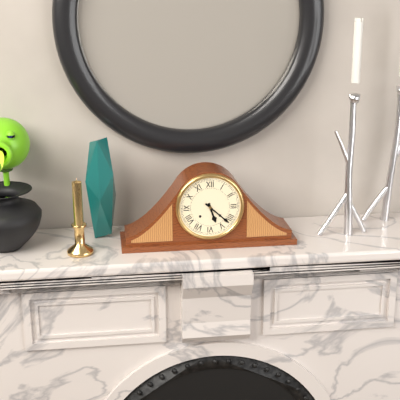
5:22
